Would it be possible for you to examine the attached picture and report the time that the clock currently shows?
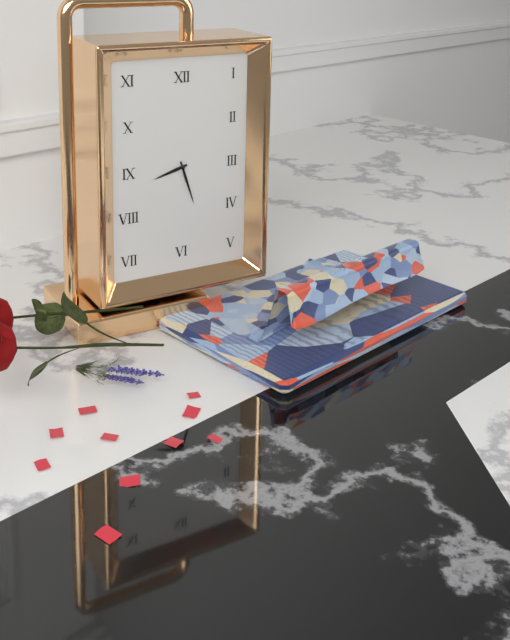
8:27
